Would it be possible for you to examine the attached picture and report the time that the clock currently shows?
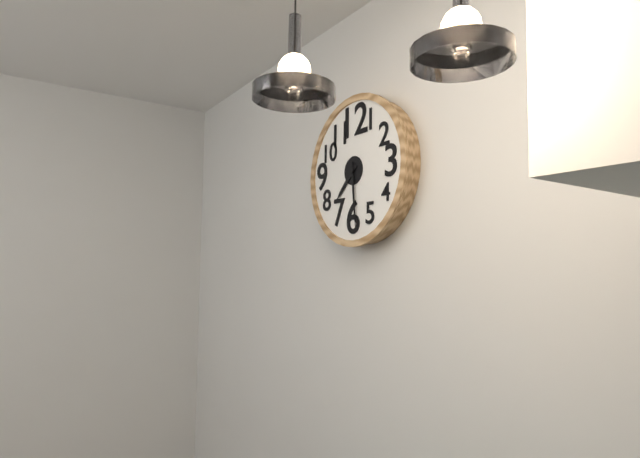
7:29
